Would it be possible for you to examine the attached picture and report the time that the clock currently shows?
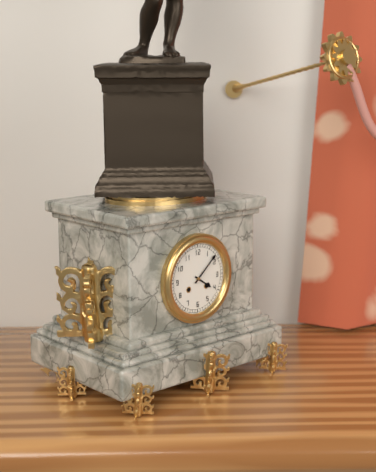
4:08
